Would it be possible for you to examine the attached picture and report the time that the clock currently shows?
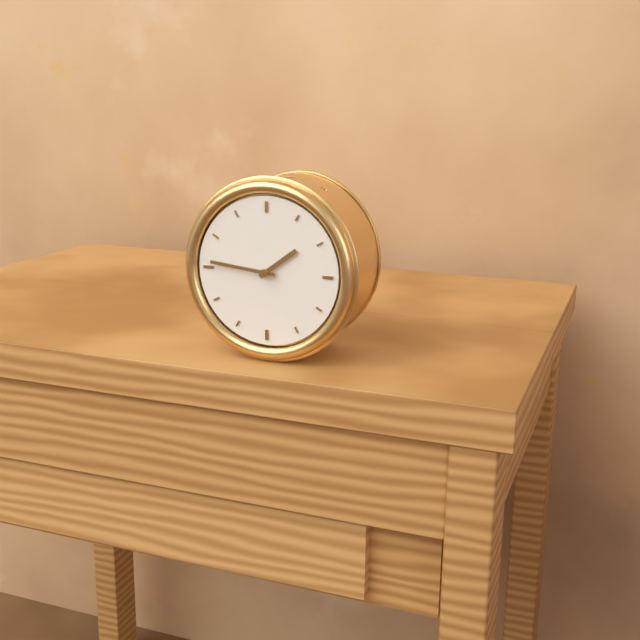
1:46
